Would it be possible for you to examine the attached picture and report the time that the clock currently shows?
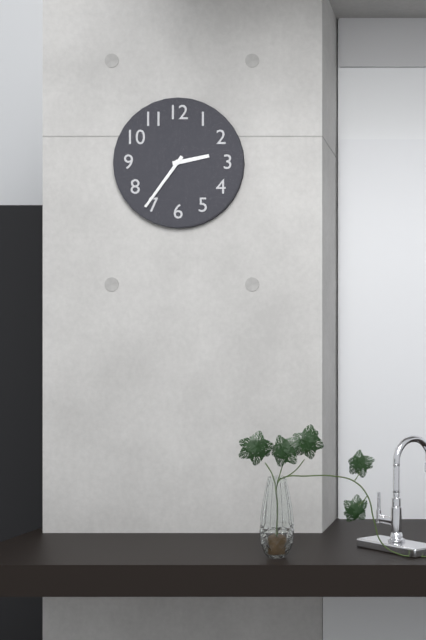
2:36
